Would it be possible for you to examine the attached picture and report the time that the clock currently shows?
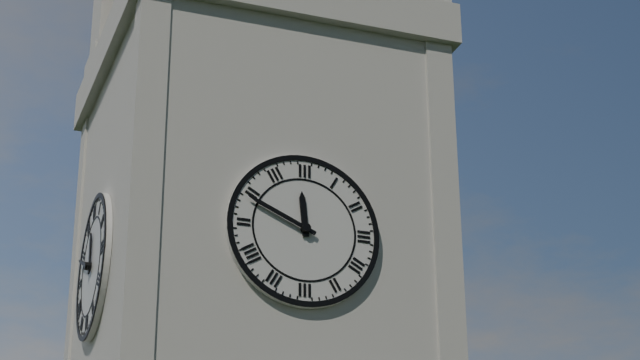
11:49
